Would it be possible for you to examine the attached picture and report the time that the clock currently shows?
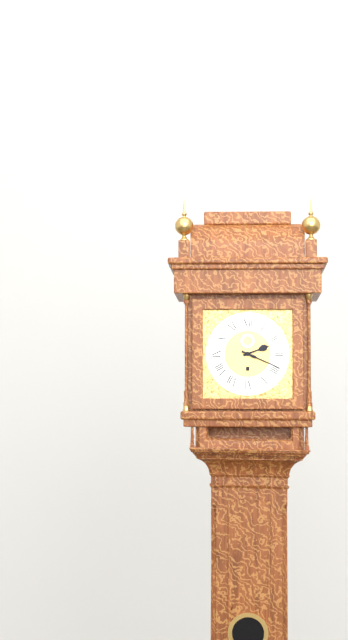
2:19
